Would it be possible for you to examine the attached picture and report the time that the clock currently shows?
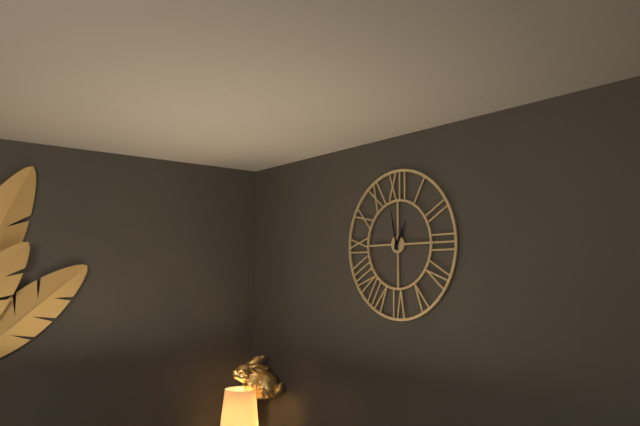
12:58
